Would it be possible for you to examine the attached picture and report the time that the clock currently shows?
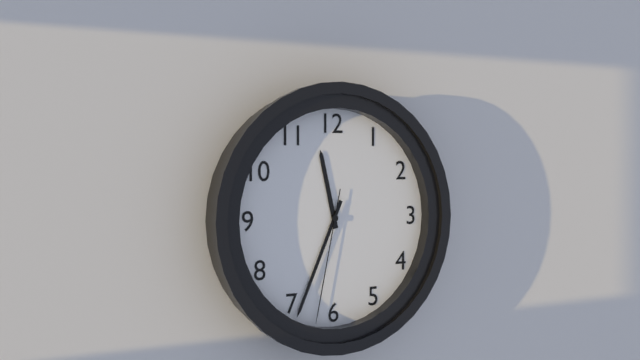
11:34:32
